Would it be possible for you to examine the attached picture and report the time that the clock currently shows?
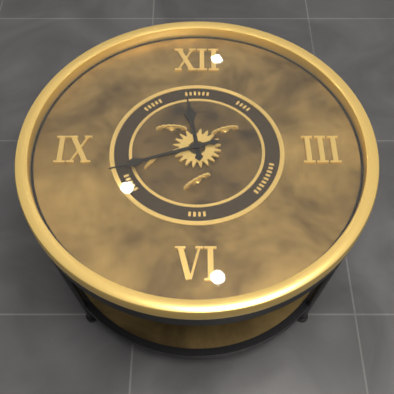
11:42
